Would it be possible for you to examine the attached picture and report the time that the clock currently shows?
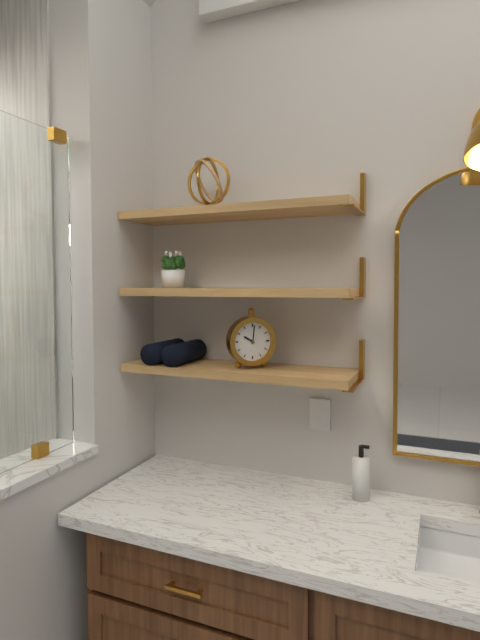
10:01
